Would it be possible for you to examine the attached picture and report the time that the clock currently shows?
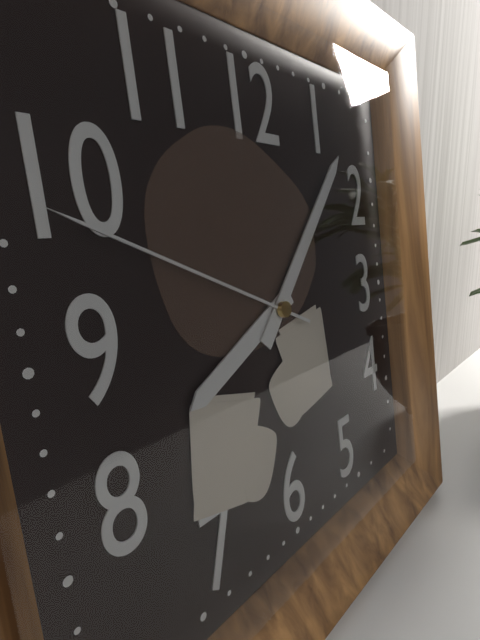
8:07:49
